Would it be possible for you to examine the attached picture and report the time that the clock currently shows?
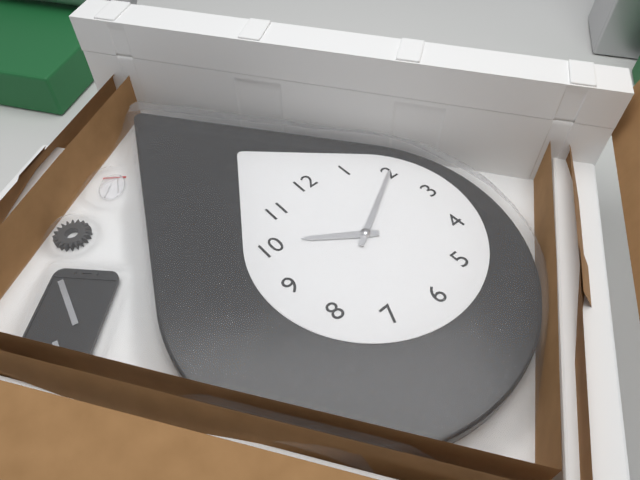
10:10
